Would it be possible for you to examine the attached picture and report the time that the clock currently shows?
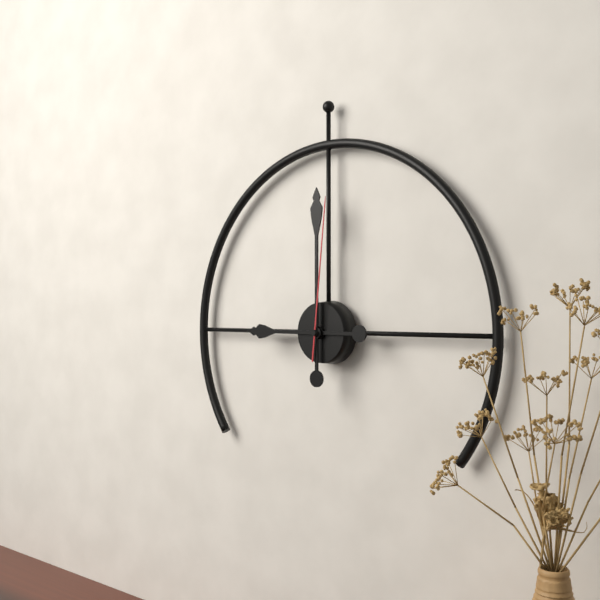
9:00:01
